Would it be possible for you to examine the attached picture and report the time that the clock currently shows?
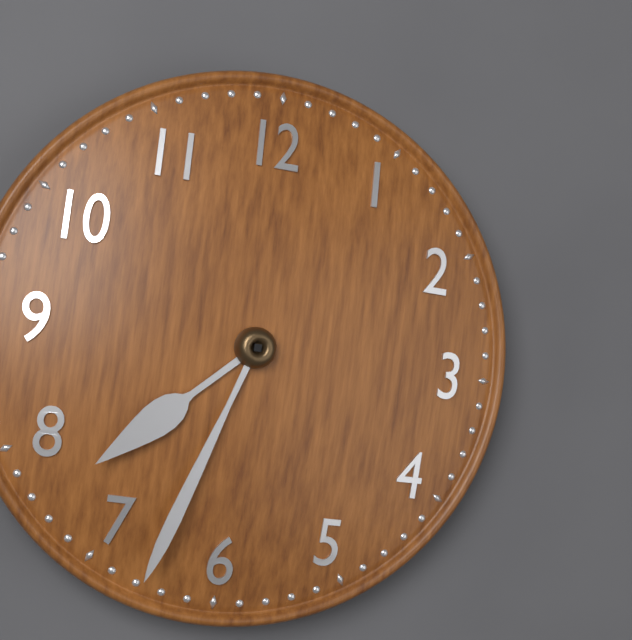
7:33
